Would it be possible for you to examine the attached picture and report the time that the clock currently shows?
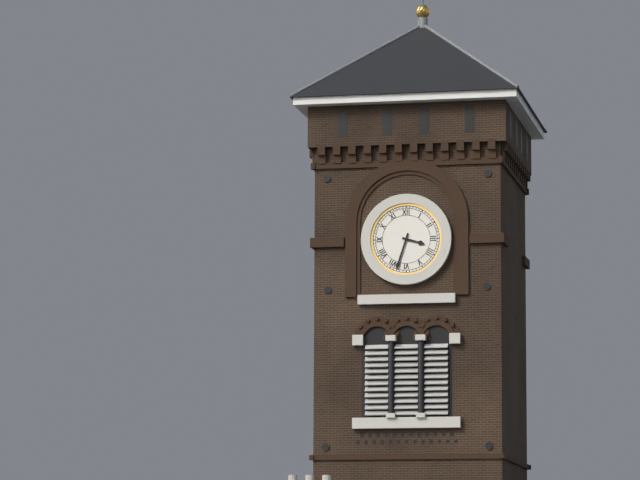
3:33
